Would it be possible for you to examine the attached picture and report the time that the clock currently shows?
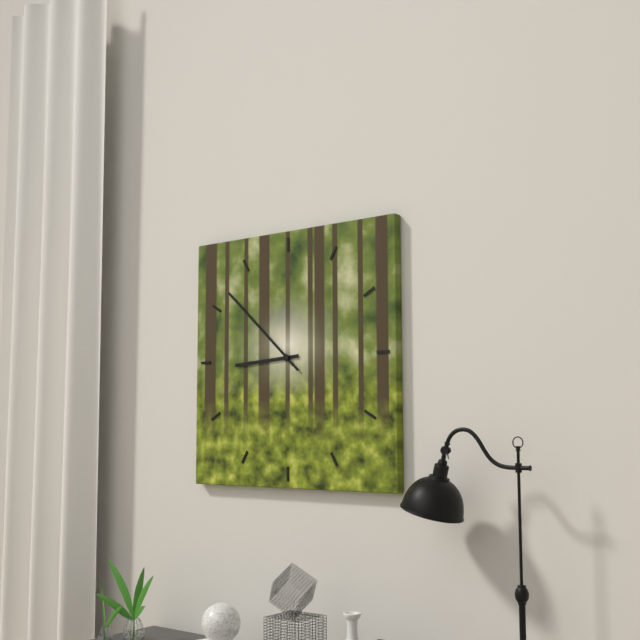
8:52
